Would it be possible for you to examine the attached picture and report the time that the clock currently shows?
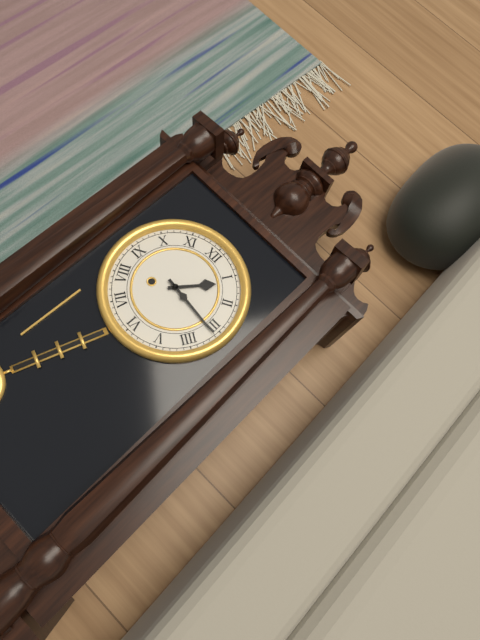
1:16
